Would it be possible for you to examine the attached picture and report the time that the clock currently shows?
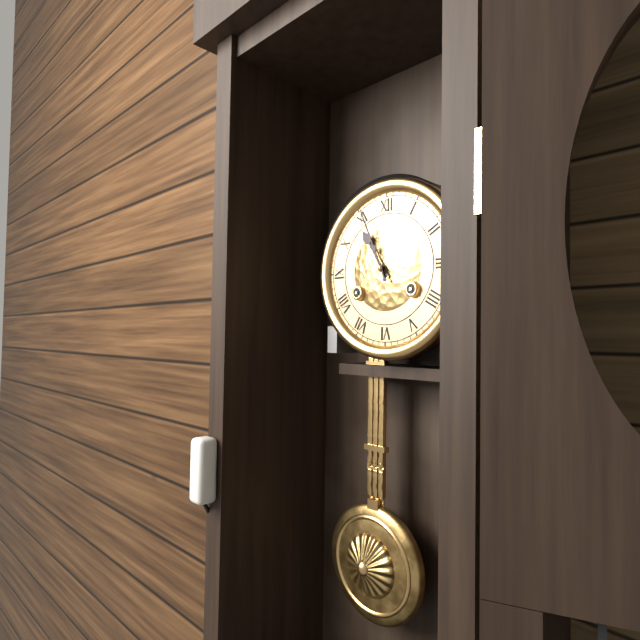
10:56
